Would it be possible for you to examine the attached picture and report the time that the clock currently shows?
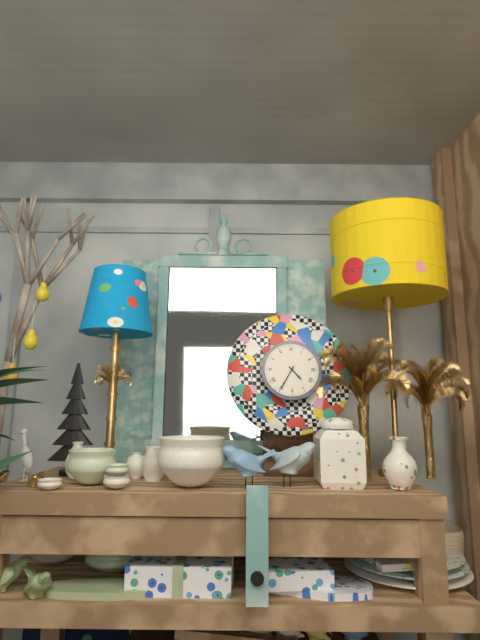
4:35
